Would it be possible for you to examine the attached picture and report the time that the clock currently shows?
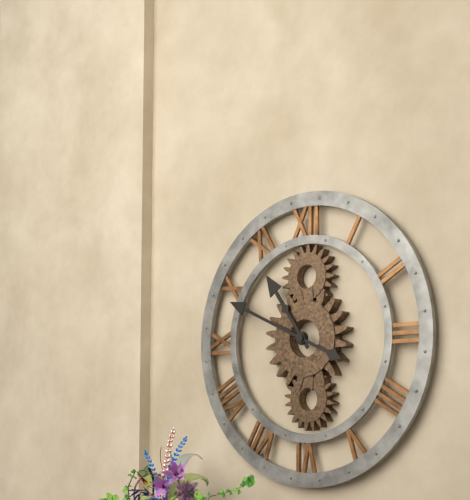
10:49
